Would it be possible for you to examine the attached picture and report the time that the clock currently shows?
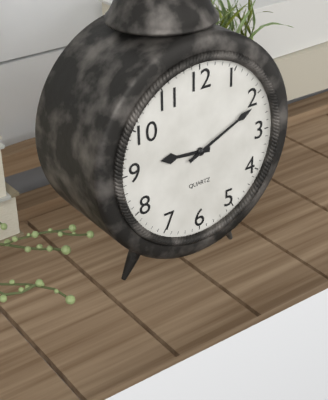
9:11
